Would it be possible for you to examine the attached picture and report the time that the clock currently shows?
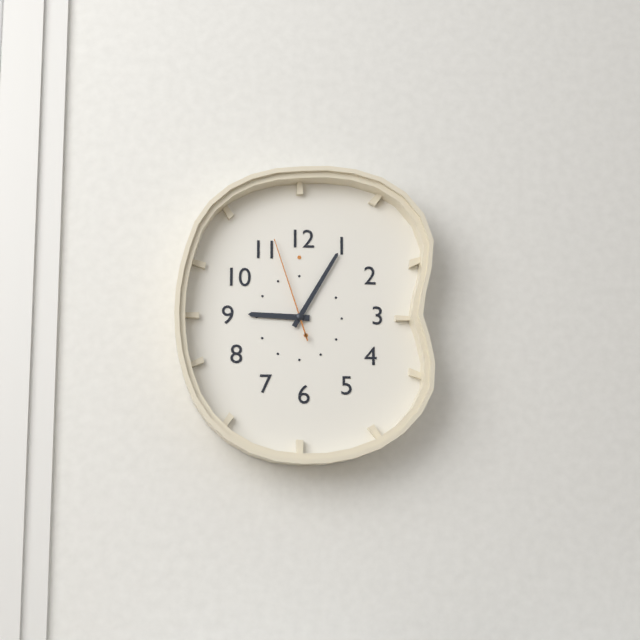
9:05:57
